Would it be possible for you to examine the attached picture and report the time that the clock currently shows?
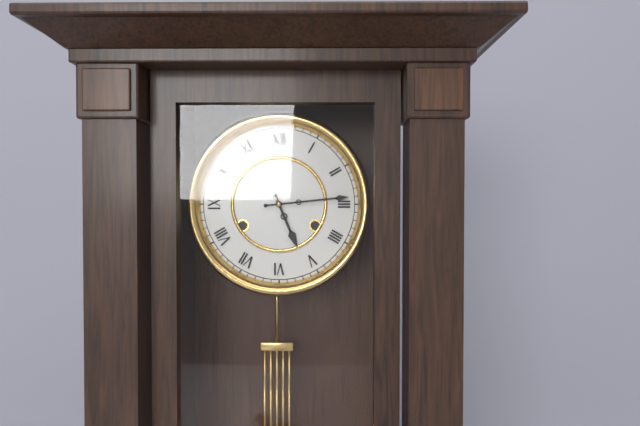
5:14
